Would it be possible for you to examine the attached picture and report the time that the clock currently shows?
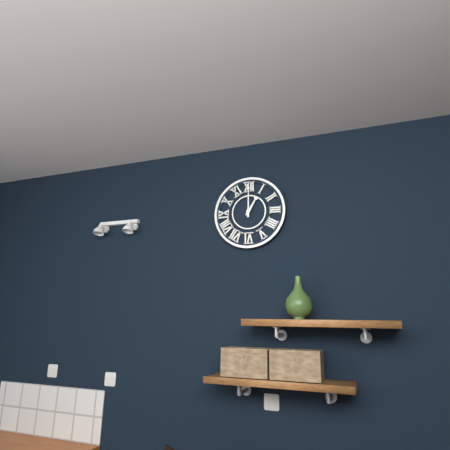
1:00
